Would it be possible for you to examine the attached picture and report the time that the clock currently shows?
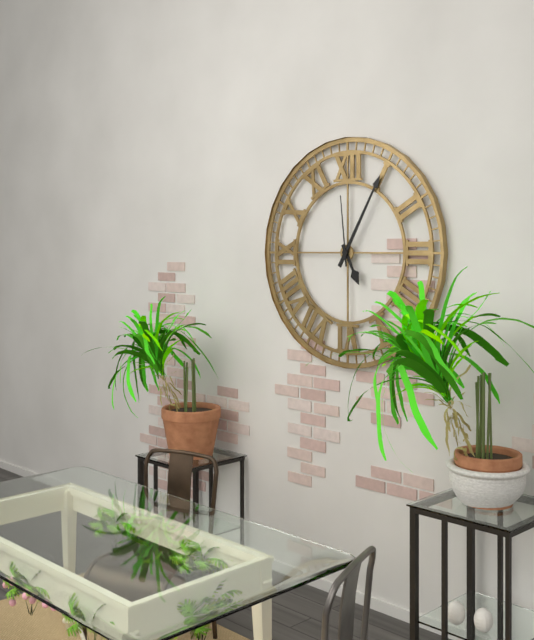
5:05:59
